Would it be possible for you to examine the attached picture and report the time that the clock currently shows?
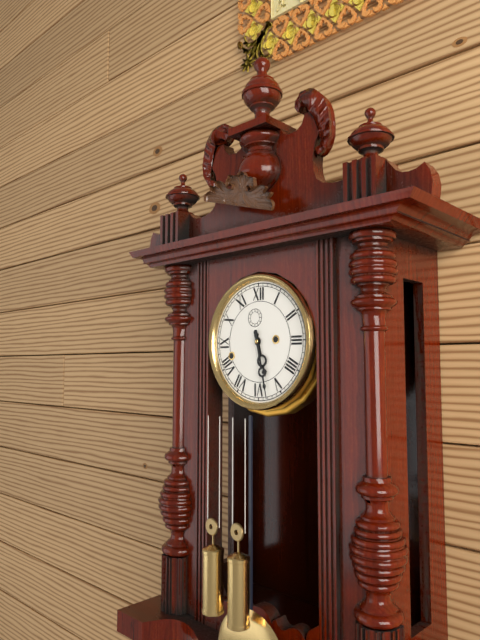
5:28
